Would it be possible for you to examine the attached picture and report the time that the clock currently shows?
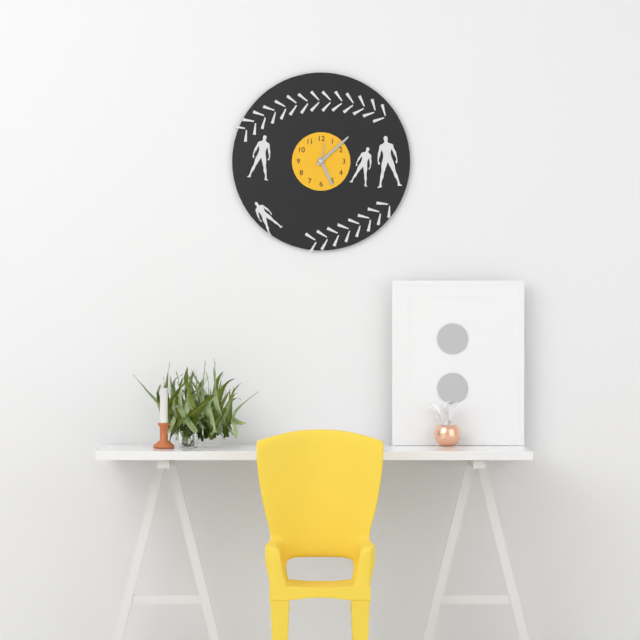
5:08
